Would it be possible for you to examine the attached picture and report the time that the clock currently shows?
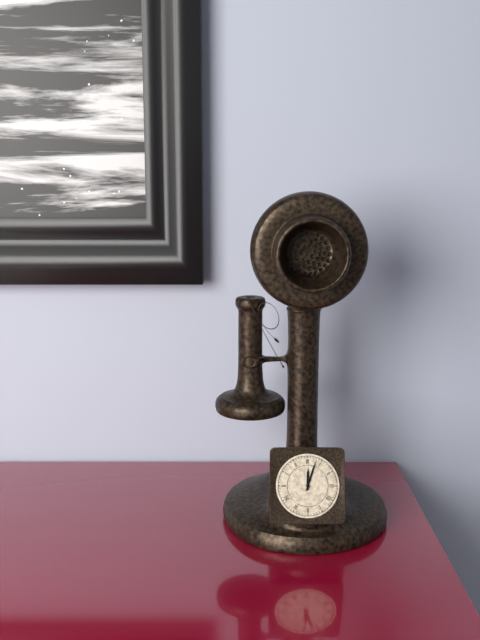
12:03
